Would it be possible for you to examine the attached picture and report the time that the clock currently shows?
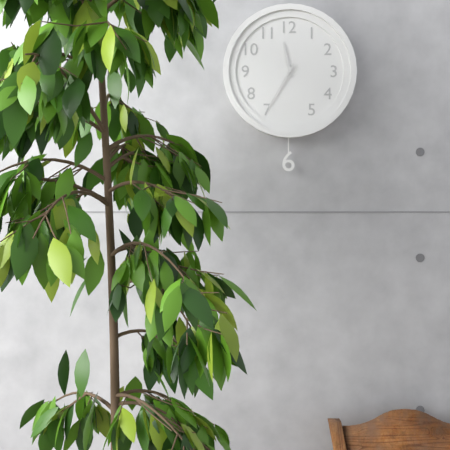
11:35
